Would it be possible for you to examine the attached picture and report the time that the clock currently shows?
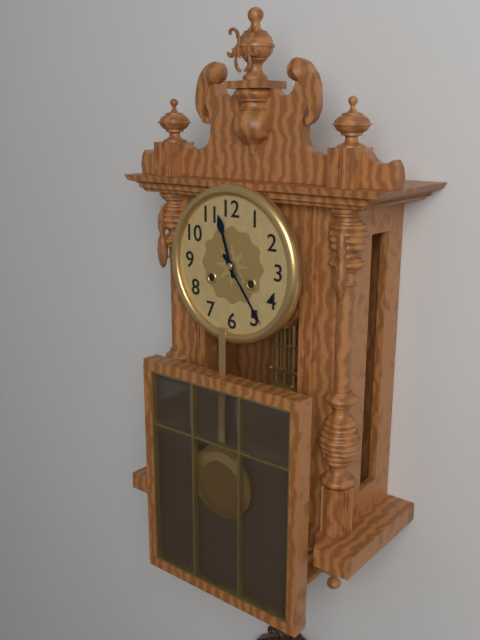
11:24
